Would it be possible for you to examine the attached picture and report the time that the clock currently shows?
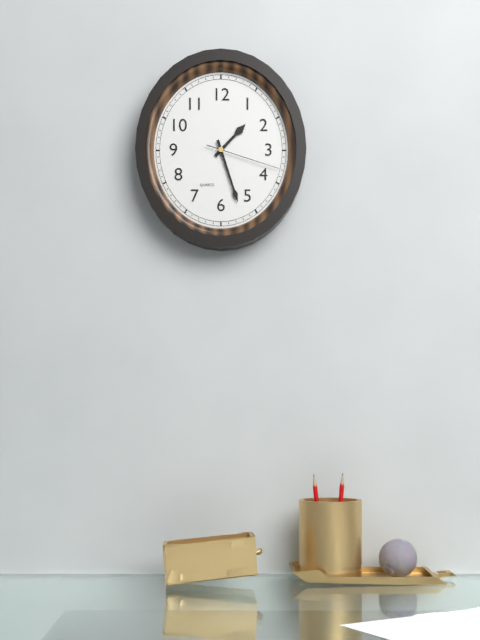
1:27:18
